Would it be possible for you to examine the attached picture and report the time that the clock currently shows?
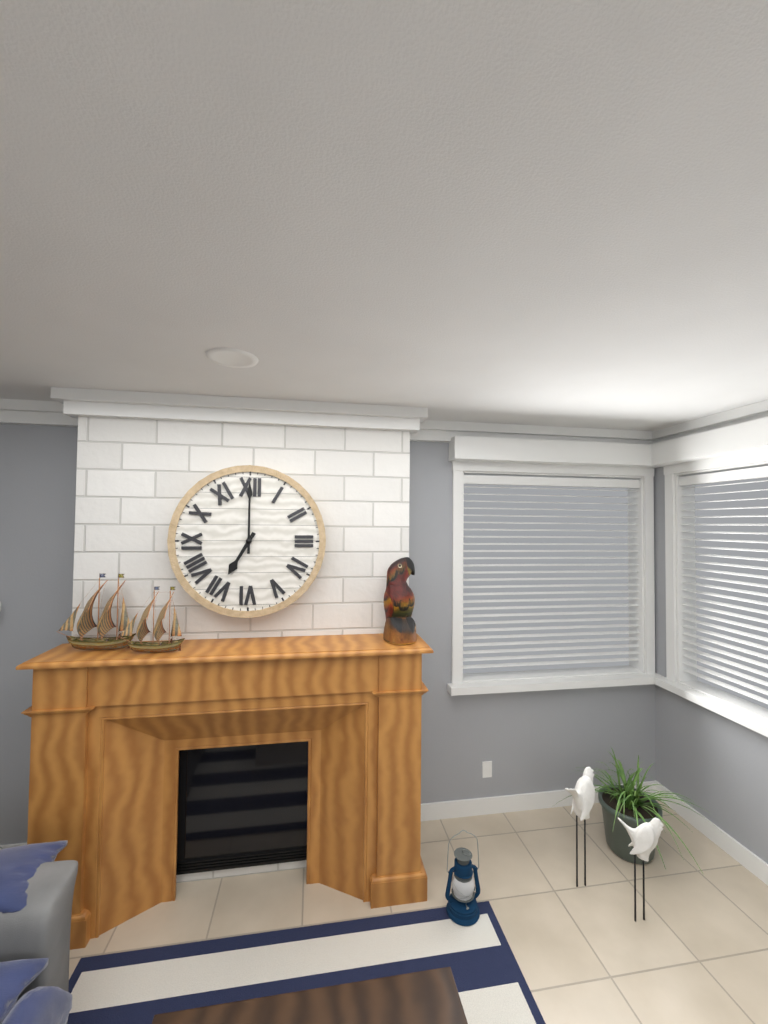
7:00
